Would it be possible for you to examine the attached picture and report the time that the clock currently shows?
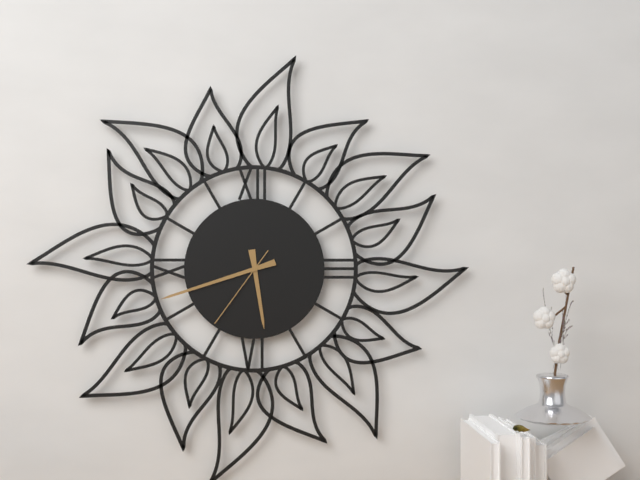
5:42:36
